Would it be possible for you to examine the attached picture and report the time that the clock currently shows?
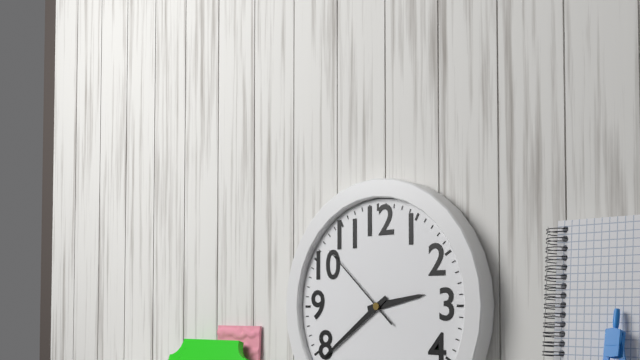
2:39:52
